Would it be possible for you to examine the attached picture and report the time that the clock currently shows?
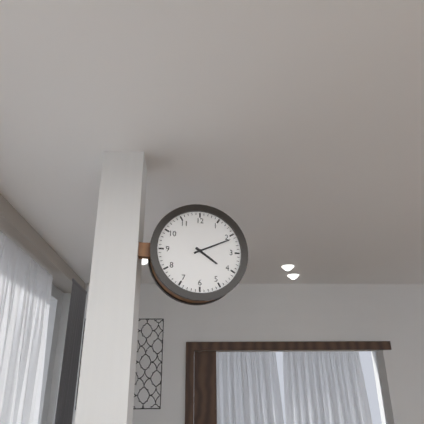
4:11
